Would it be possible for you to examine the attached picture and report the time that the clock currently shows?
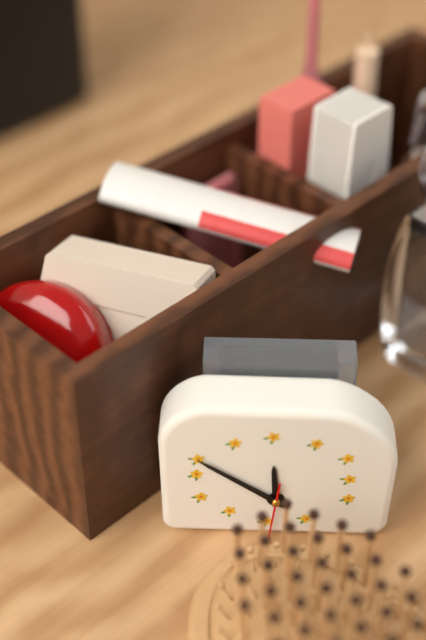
11:51
